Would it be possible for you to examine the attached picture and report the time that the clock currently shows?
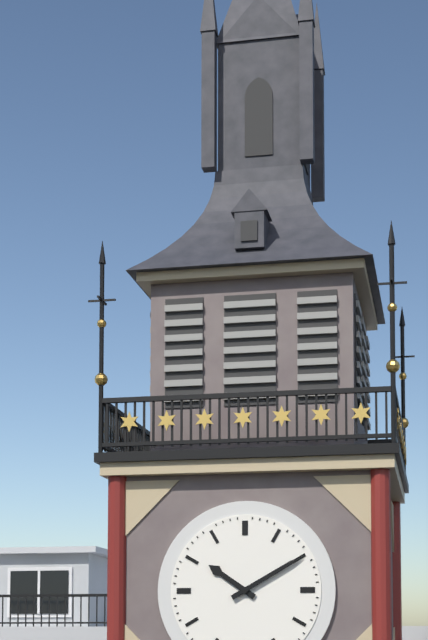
10:10
